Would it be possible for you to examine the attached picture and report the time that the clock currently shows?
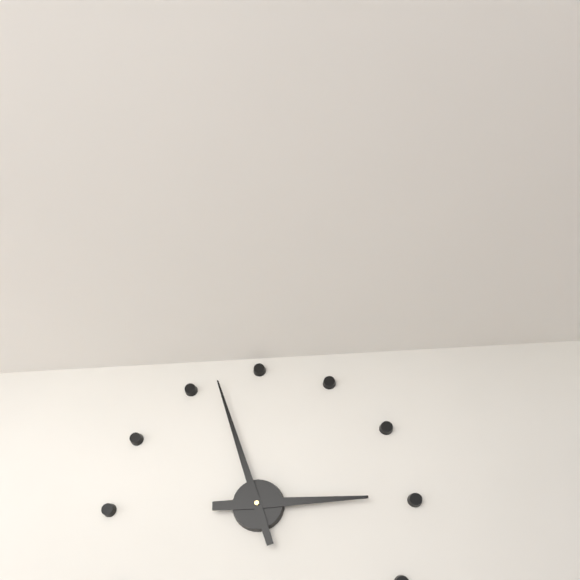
2:57
